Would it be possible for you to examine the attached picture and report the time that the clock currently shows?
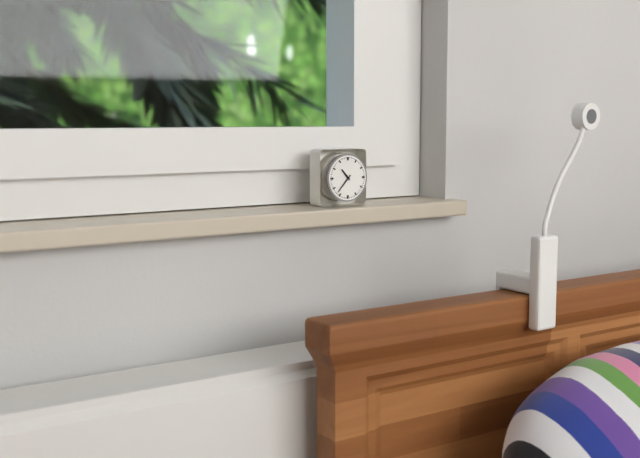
10:37
